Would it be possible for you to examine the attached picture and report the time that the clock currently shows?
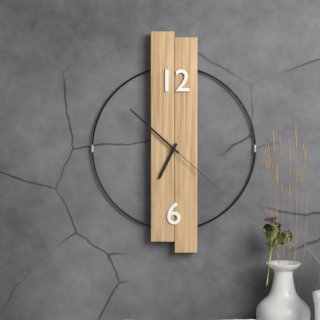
6:52:22
